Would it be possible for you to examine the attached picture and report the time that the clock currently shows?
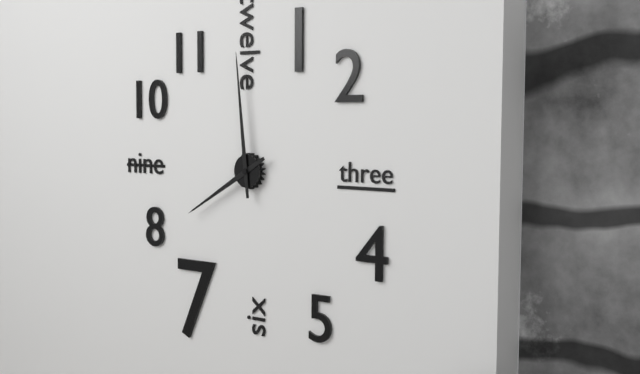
7:59
